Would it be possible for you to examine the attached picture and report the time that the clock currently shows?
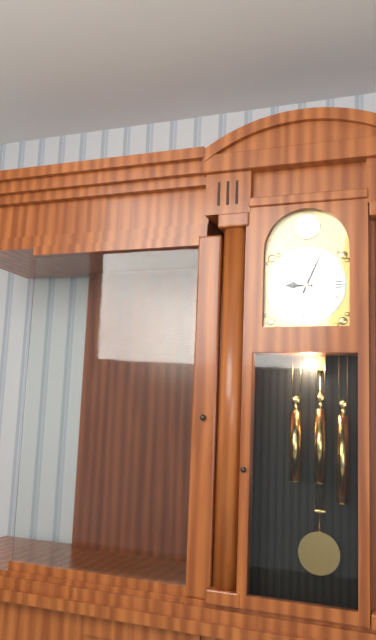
9:04
